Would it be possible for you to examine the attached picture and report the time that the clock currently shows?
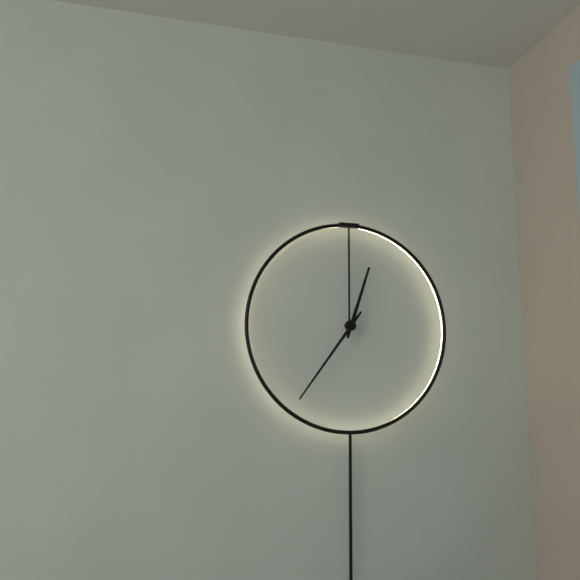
12:36
